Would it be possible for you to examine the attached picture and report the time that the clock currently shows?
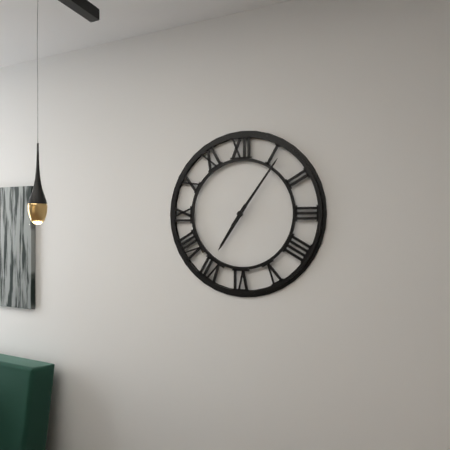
7:06
